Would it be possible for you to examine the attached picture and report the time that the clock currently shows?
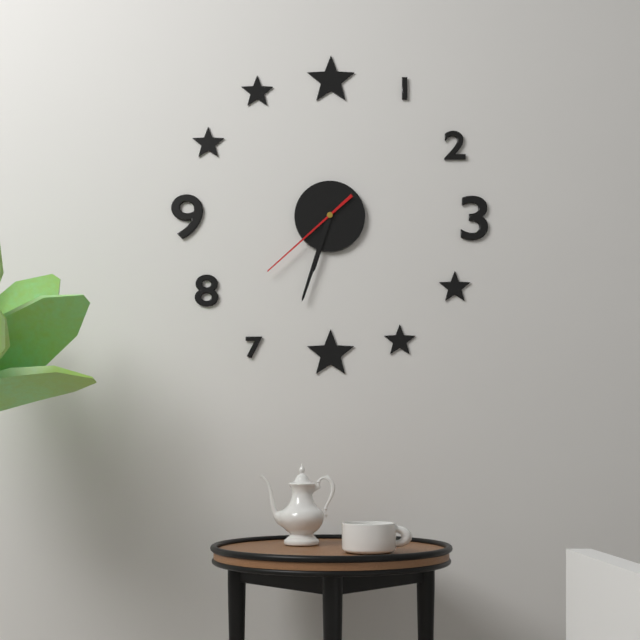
6:33:38
